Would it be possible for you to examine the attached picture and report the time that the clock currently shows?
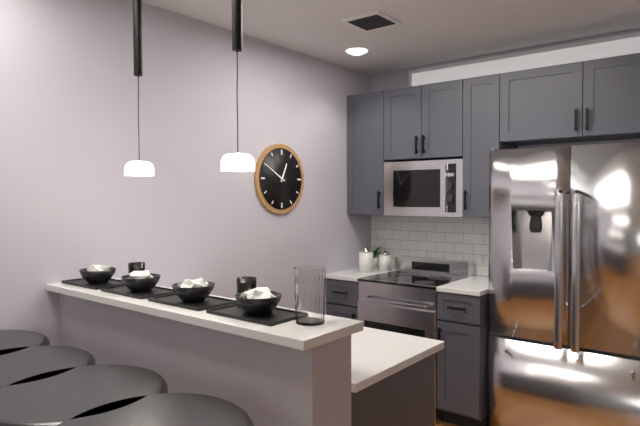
12:50
